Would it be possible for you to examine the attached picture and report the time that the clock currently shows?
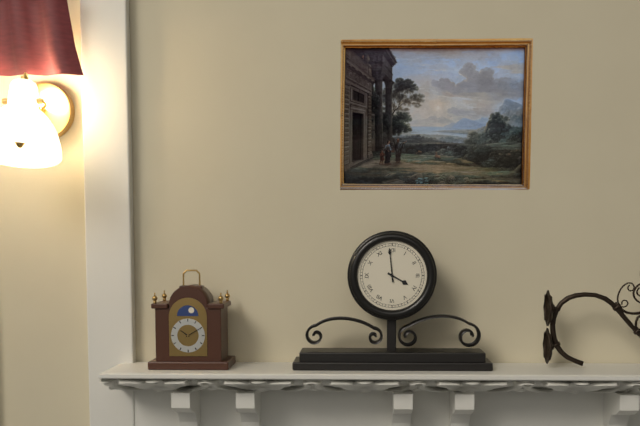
3:59
